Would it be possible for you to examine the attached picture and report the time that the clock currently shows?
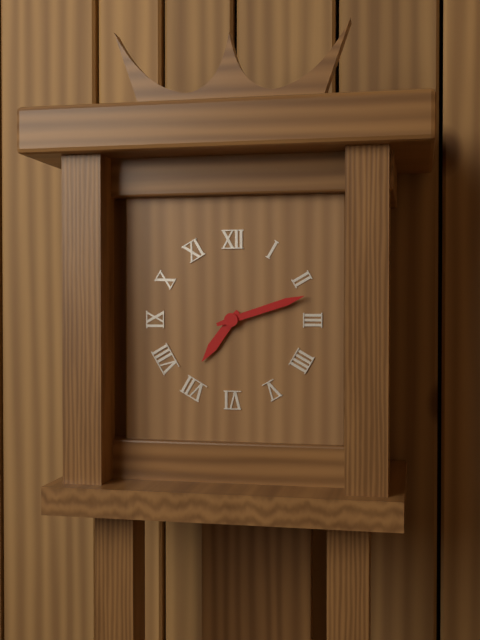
7:12
